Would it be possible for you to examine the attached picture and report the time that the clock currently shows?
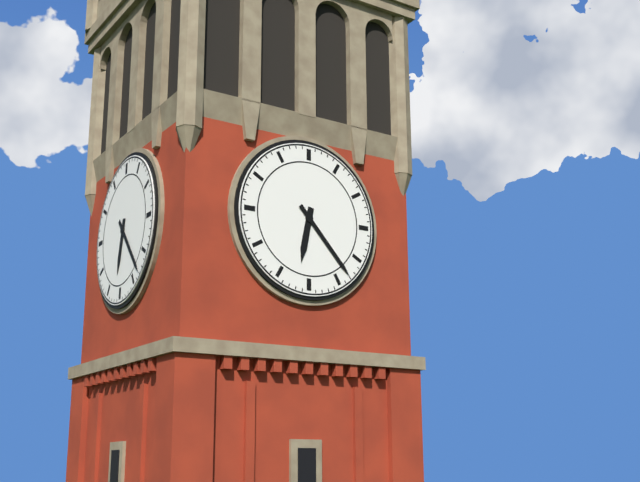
6:23
